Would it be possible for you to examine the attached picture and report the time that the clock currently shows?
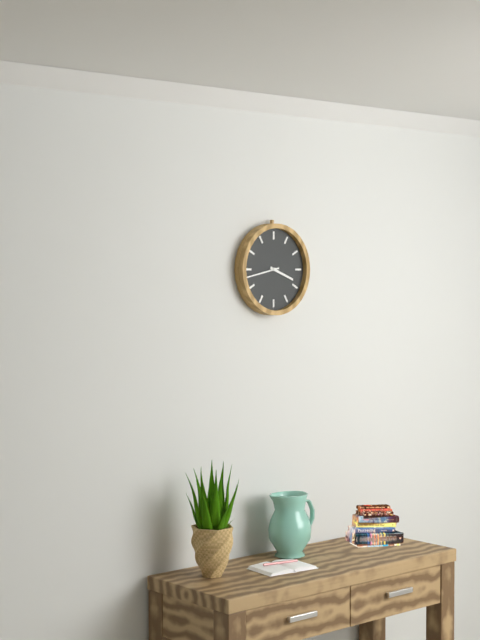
3:43
